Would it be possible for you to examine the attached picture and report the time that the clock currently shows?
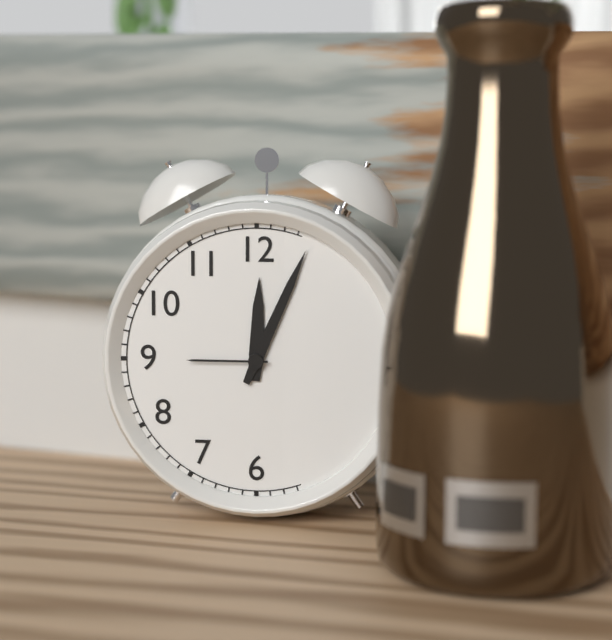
12:04
